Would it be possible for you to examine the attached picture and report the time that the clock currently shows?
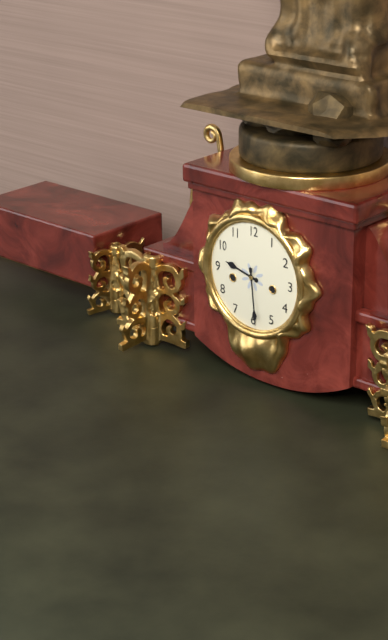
9:29
